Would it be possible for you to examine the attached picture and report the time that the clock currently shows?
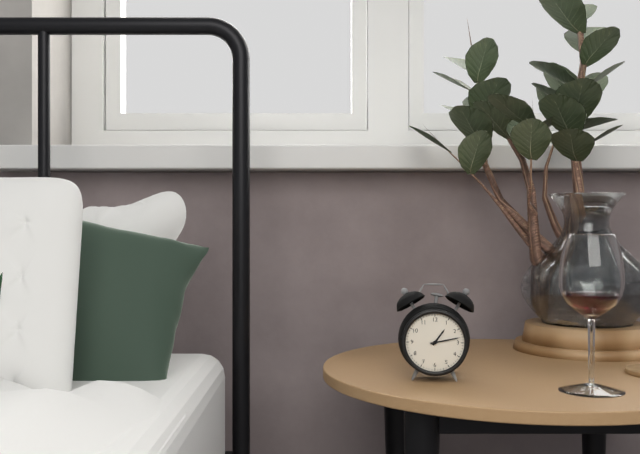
1:13
